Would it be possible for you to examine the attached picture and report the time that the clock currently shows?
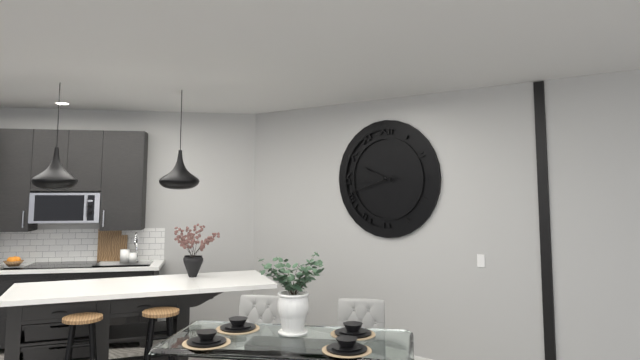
9:42:44
